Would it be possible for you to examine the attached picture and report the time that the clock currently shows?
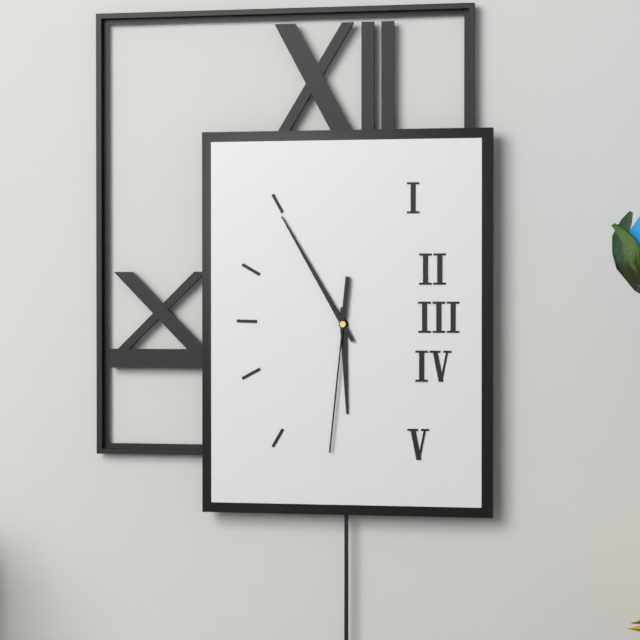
5:55:31
